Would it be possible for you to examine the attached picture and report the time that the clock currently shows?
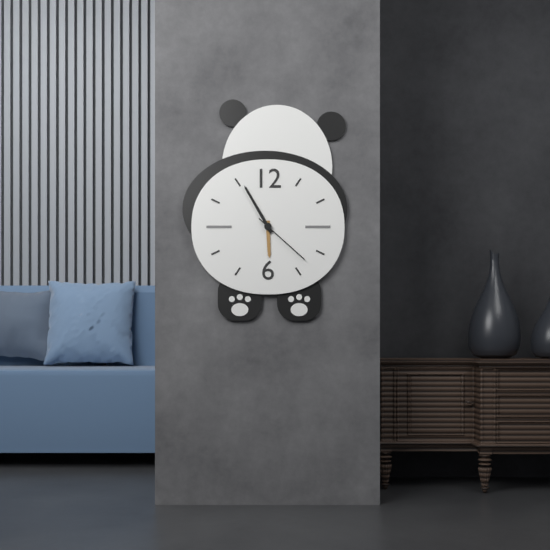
5:55:22
